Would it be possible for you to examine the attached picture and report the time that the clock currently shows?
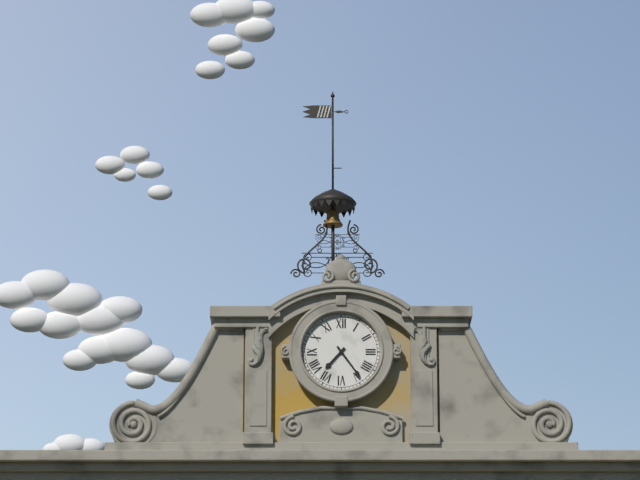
7:24
